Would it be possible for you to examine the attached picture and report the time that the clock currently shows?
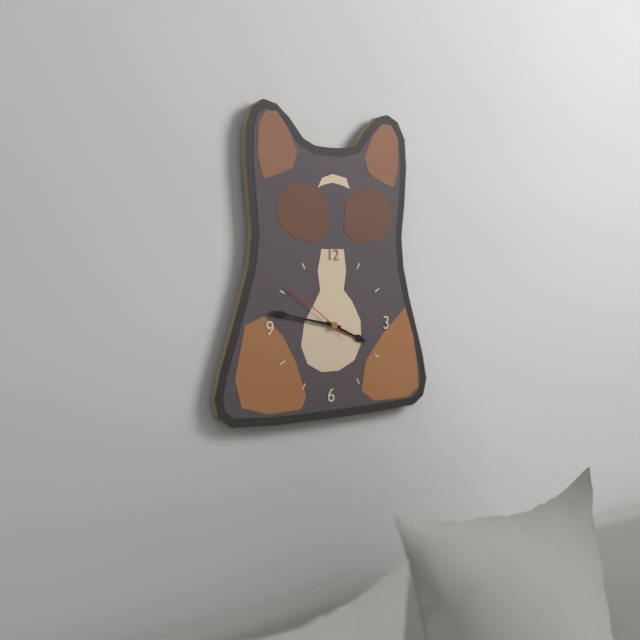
3:47:51
